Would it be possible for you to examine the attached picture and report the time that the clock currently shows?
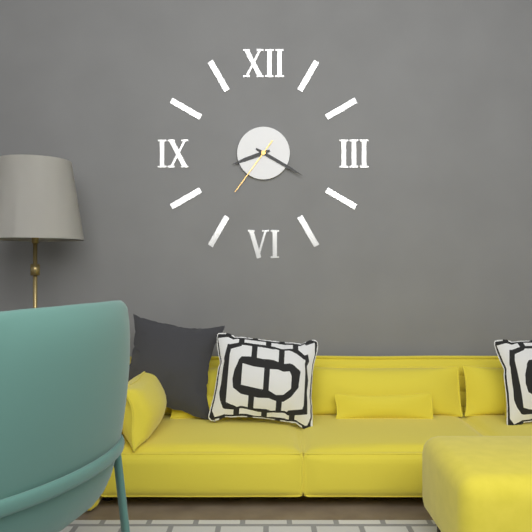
8:20:36
